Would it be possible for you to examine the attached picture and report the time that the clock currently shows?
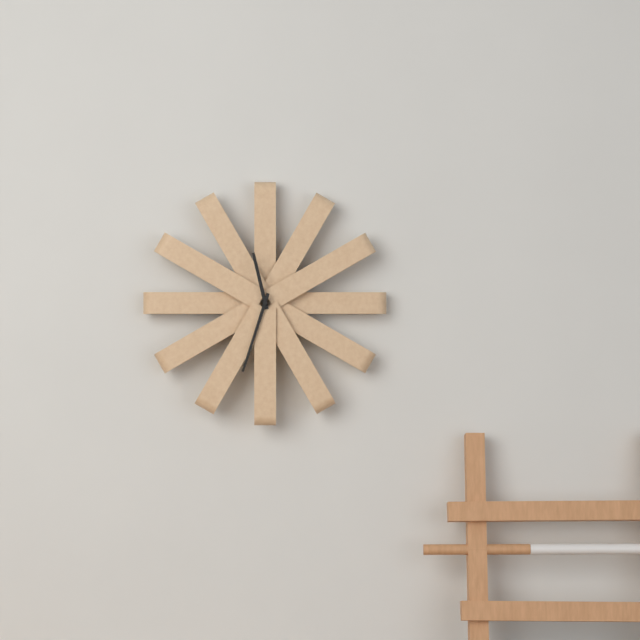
11:33
